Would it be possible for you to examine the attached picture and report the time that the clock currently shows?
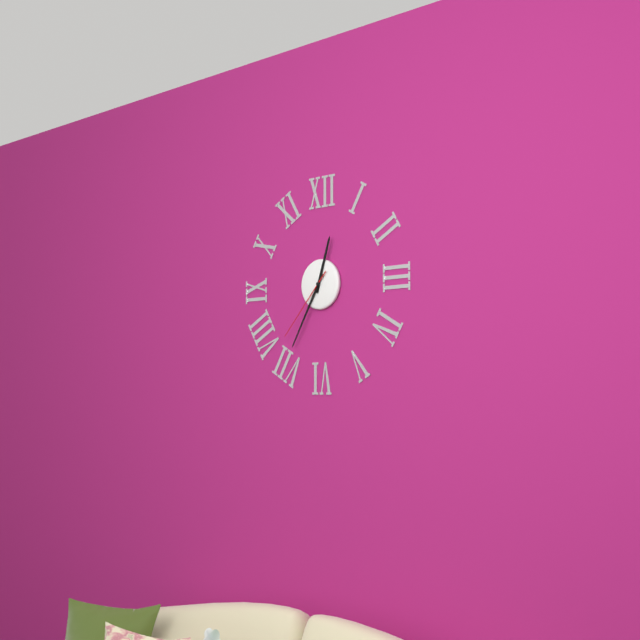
12:35:37
